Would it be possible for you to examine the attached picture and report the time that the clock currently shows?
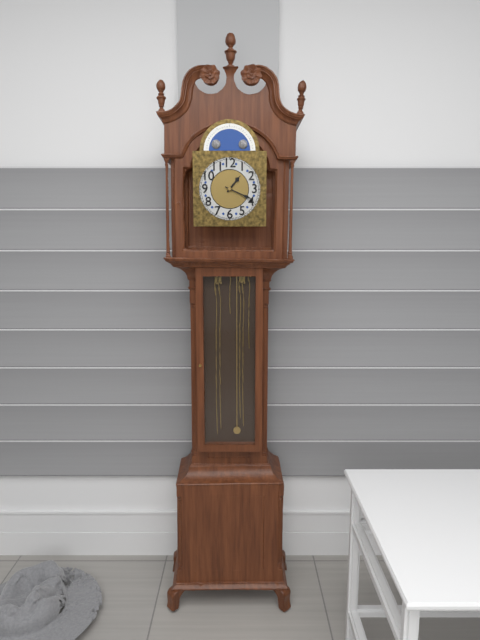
1:19
